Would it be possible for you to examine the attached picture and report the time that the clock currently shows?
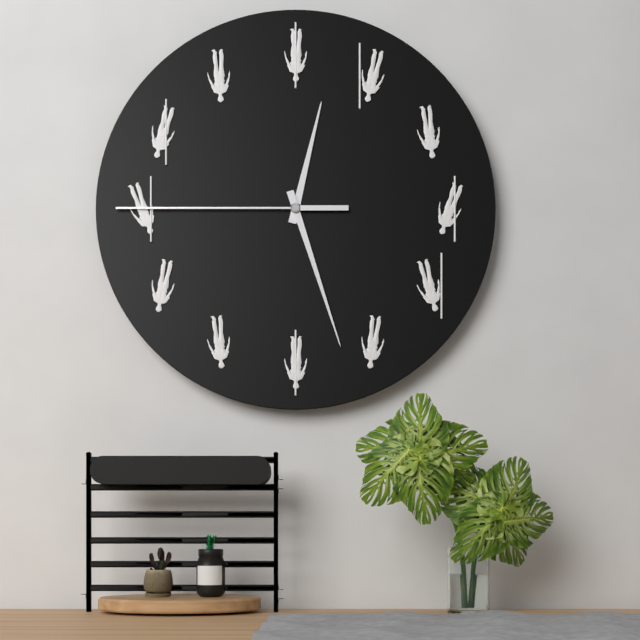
12:27:45
